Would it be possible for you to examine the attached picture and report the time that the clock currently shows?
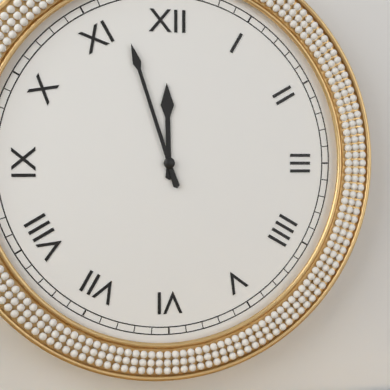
11:57
